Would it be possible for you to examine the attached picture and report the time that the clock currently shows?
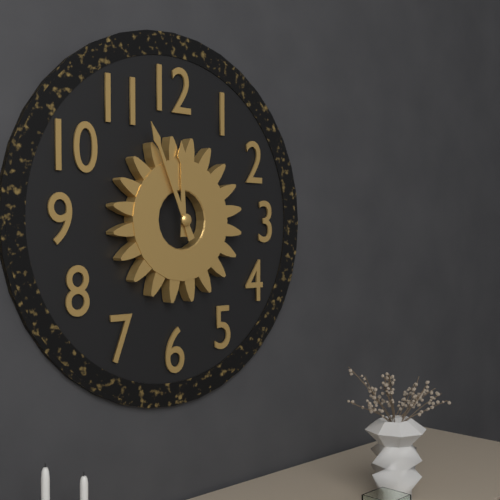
11:56
